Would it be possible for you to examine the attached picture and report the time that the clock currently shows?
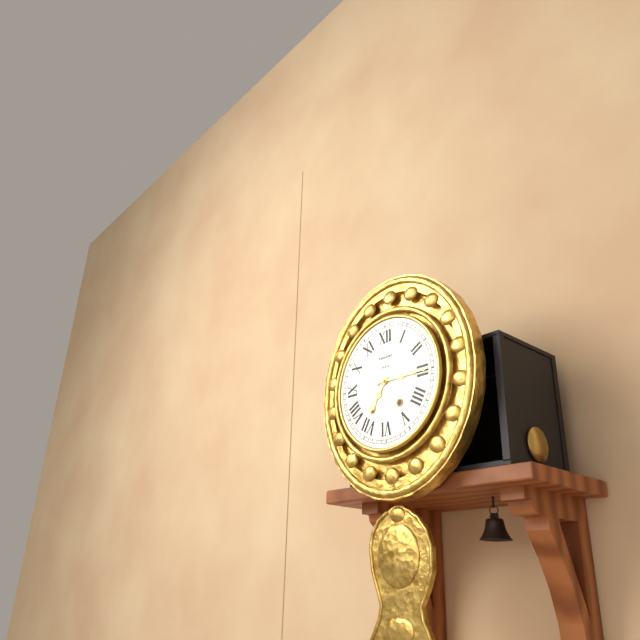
7:15
